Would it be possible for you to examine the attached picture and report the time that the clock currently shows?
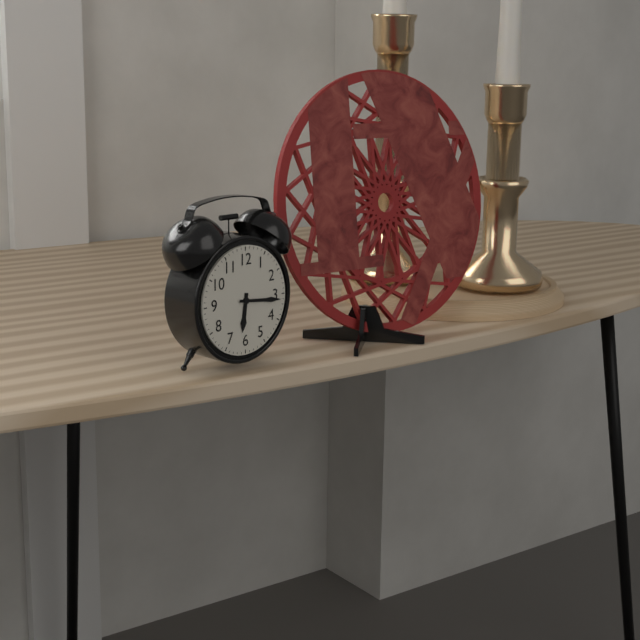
6:16
